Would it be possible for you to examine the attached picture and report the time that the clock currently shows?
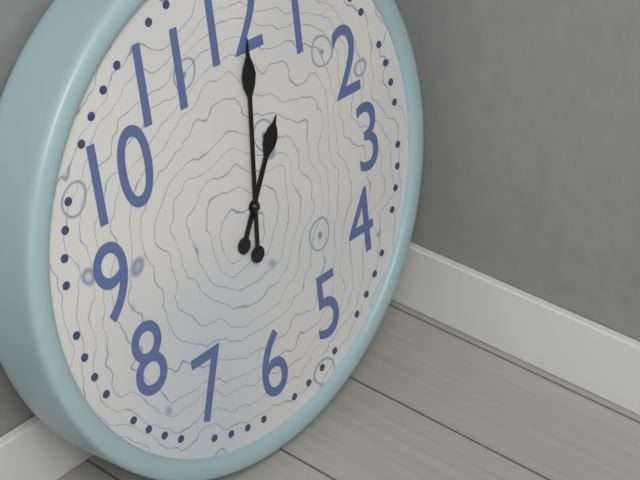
1:01
